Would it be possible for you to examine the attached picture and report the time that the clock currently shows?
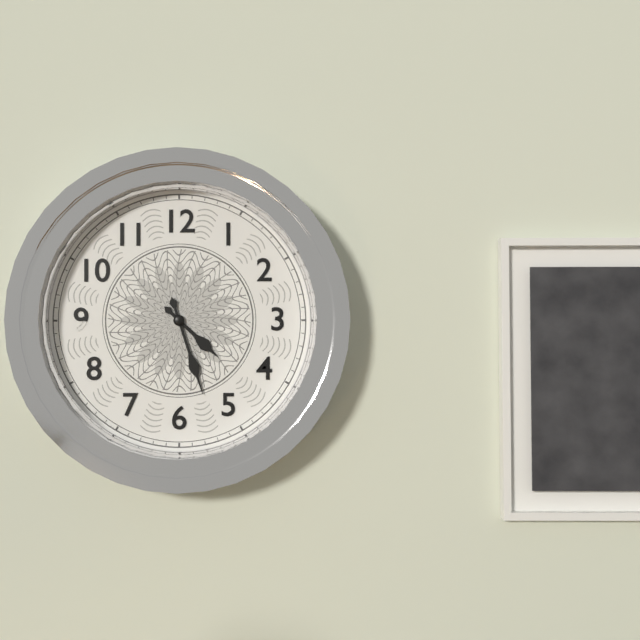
4:27
